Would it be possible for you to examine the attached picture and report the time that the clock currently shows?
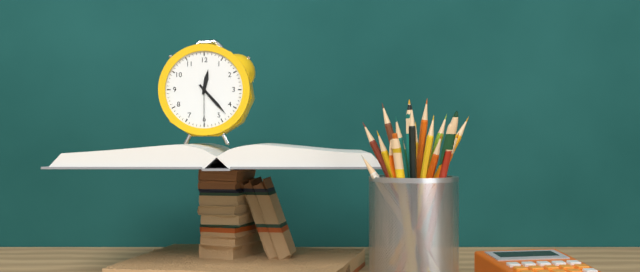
12:23
